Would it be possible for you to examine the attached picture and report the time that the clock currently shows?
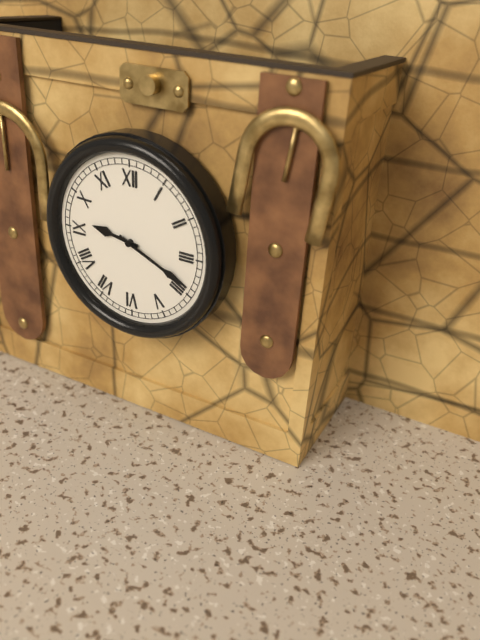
9:19
